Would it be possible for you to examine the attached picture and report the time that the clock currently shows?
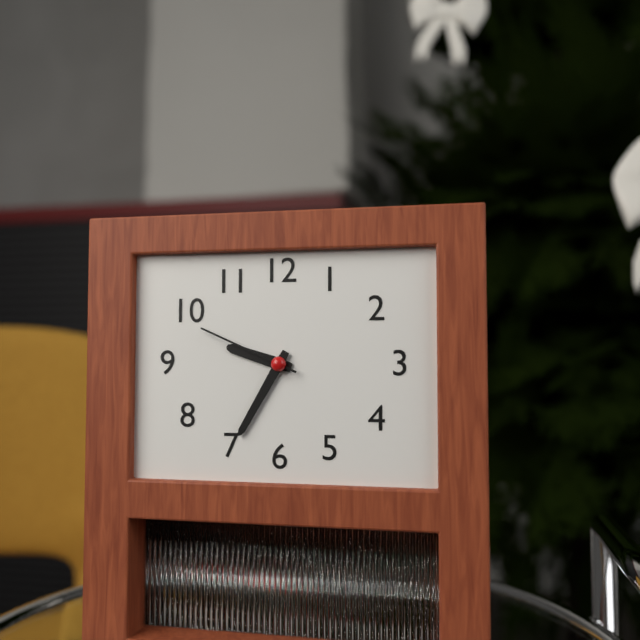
9:35:49
